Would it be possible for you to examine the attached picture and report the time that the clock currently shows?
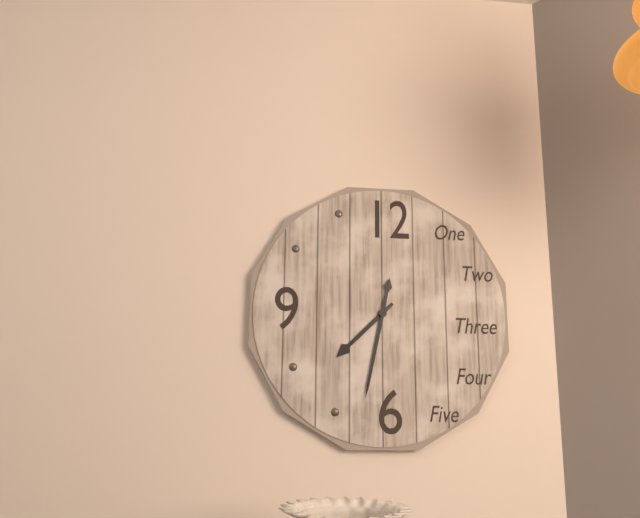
7:32
